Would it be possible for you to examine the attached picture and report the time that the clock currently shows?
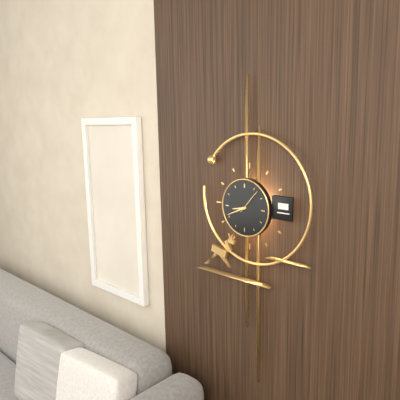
8:41
